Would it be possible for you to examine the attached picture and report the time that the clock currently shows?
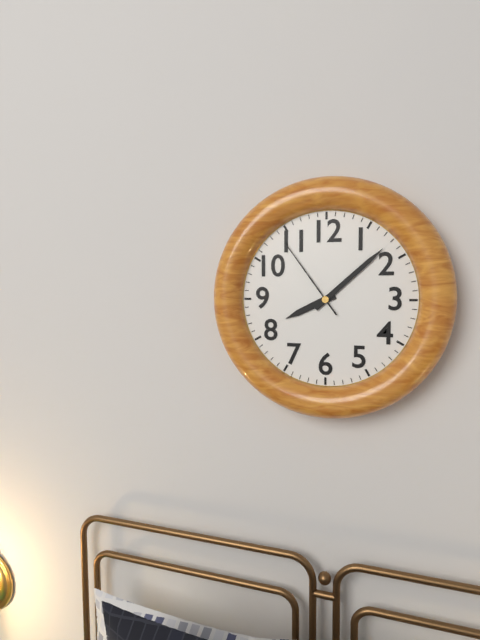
8:08:54
